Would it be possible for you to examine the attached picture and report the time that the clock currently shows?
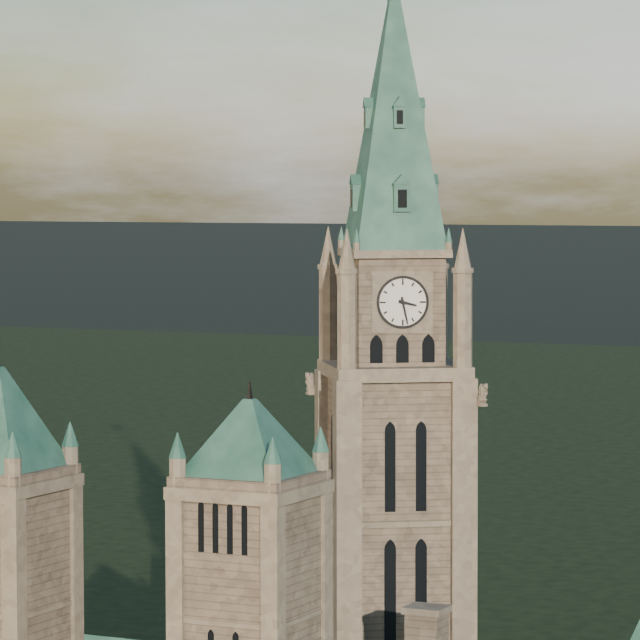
3:28
